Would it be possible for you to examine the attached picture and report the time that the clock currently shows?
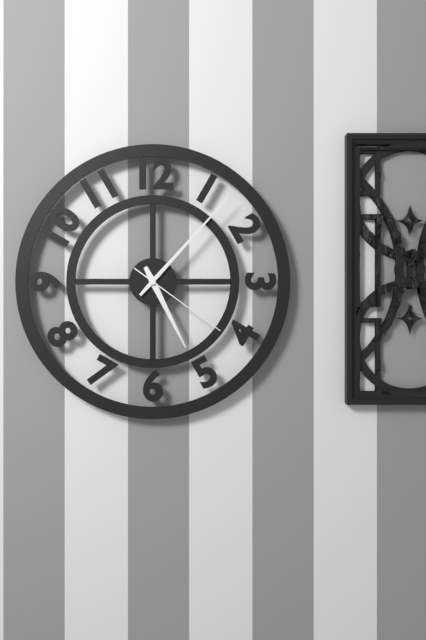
5:07:21
